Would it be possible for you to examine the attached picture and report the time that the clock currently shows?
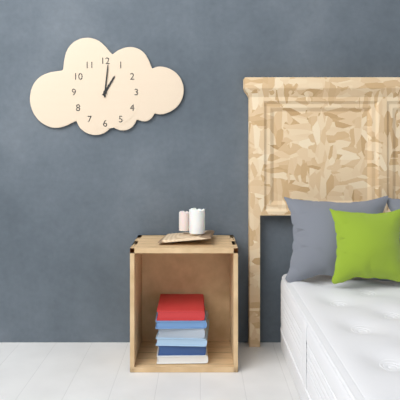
1:01
